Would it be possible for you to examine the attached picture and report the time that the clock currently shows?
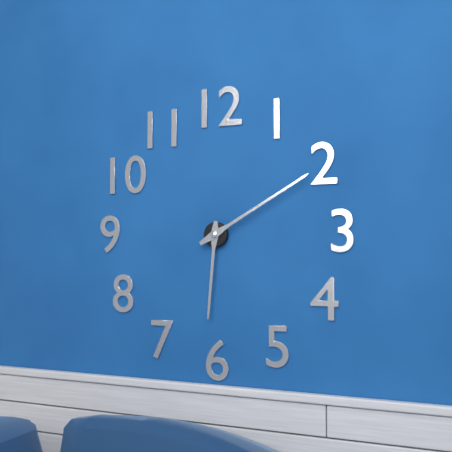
6:10
